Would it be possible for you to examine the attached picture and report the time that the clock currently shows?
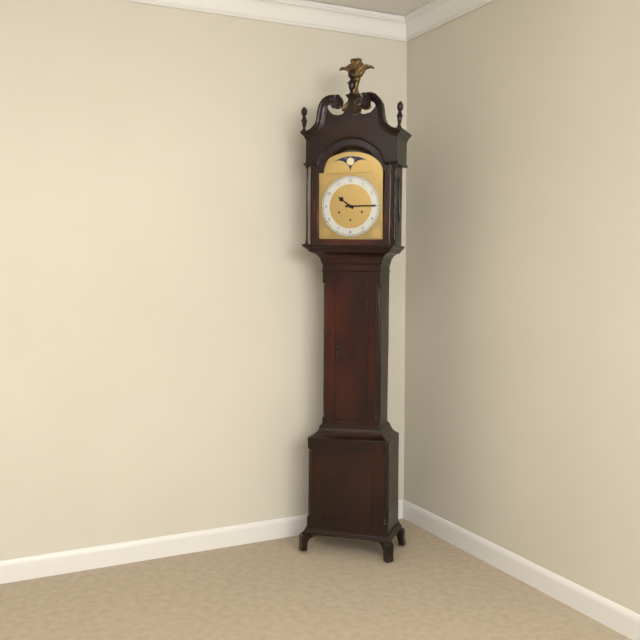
10:15
